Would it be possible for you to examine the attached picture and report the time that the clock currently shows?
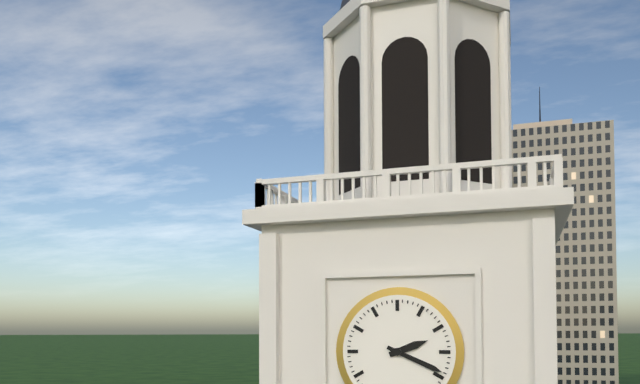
2:19
